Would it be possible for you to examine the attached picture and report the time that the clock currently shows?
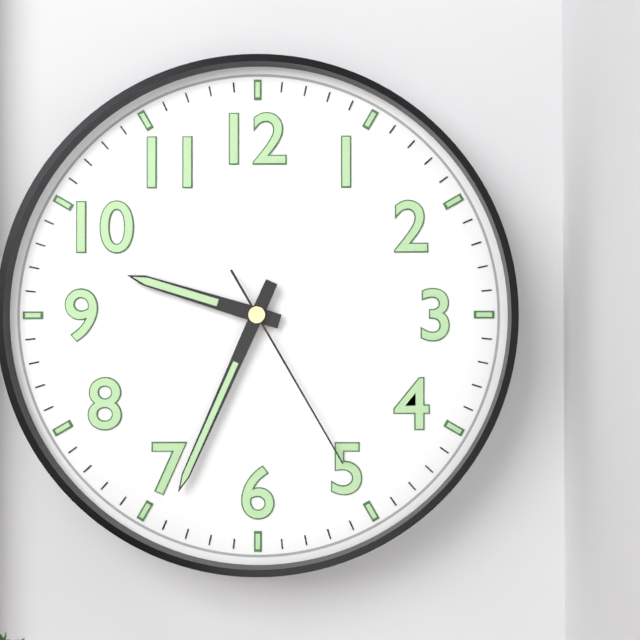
9:34:25
